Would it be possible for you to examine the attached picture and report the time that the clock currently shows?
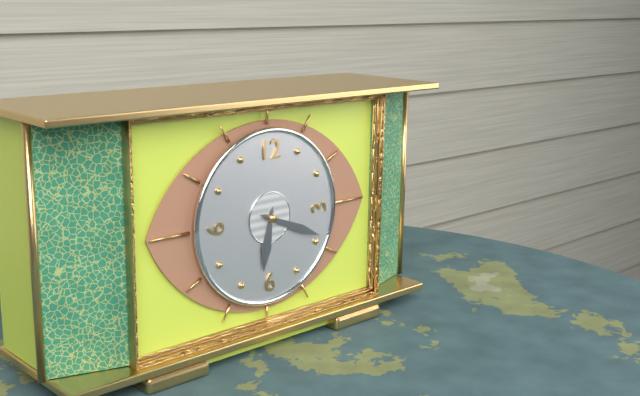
6:19
